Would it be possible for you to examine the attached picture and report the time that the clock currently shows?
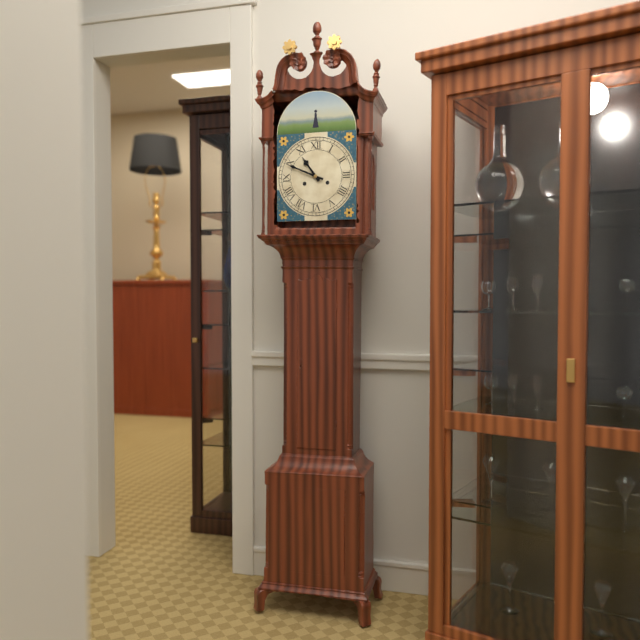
10:49
